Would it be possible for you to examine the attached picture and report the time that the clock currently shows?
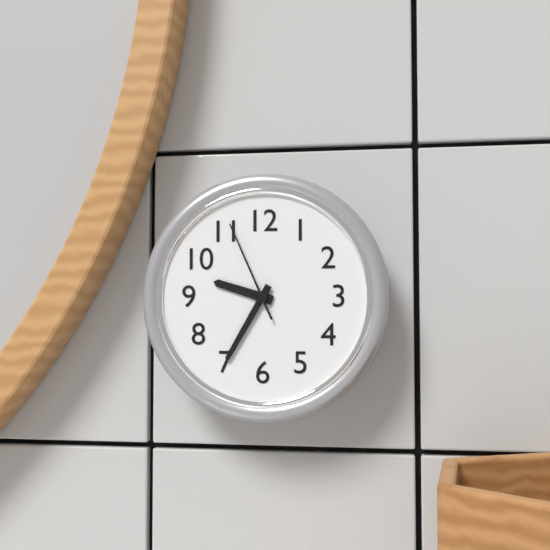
9:35:56
